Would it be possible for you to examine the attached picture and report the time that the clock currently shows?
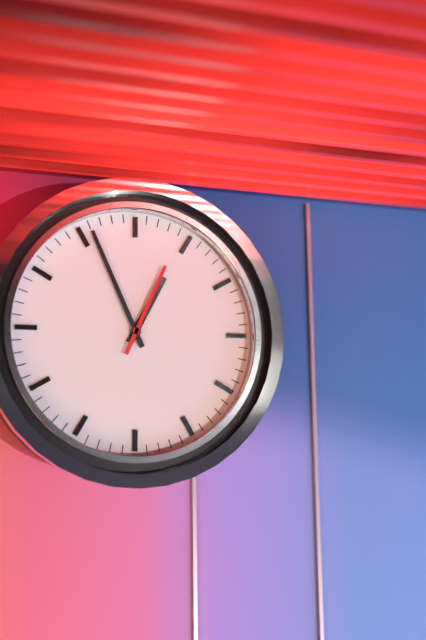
12:56:04
